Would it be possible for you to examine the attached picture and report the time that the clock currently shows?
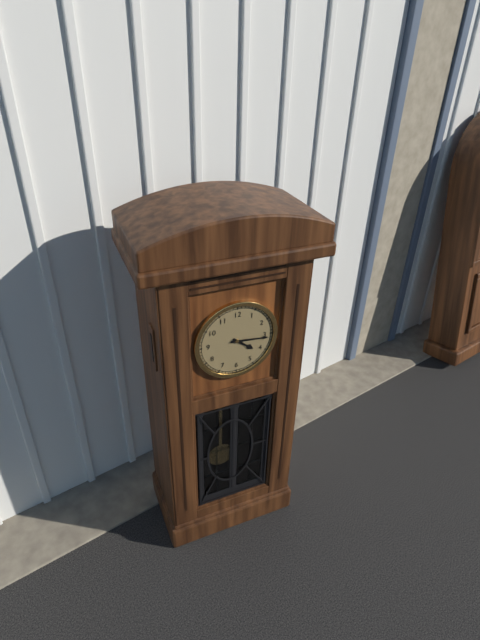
4:16
